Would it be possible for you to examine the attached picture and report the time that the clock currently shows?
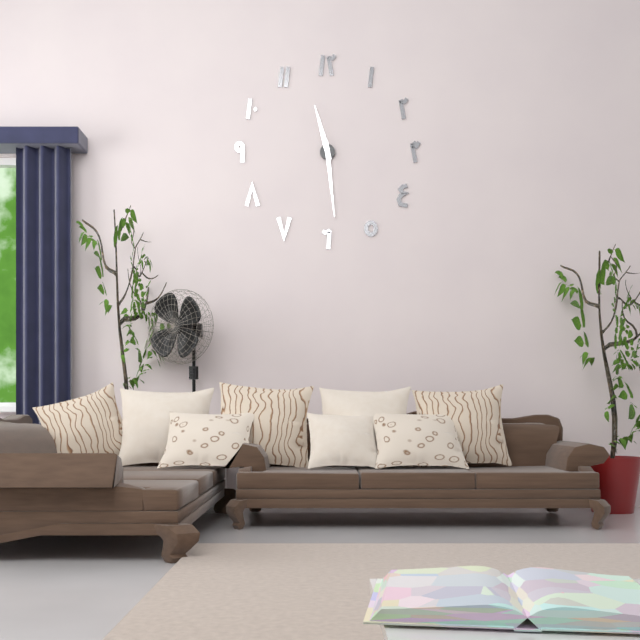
11:29
